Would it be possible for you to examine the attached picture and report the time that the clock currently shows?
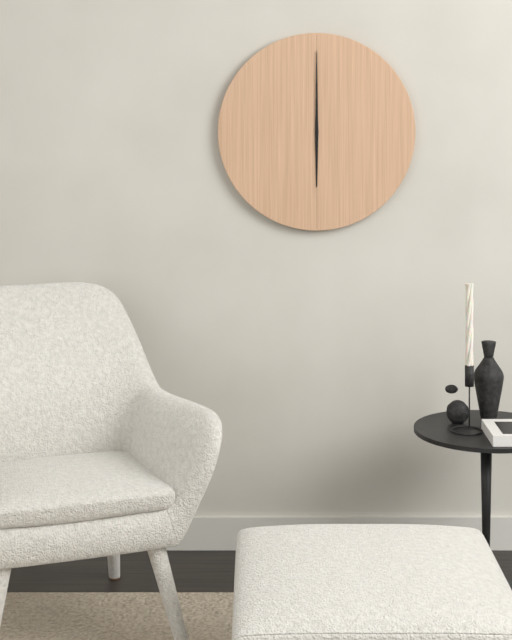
6:00
